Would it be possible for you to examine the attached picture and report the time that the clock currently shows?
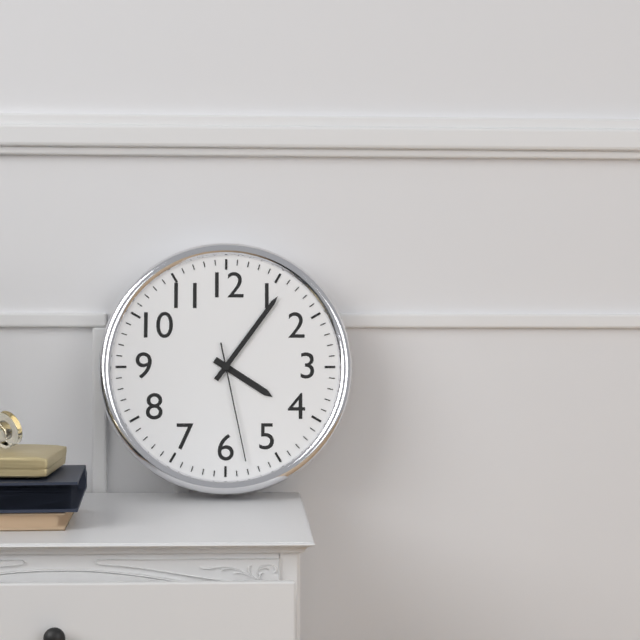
4:06:28
